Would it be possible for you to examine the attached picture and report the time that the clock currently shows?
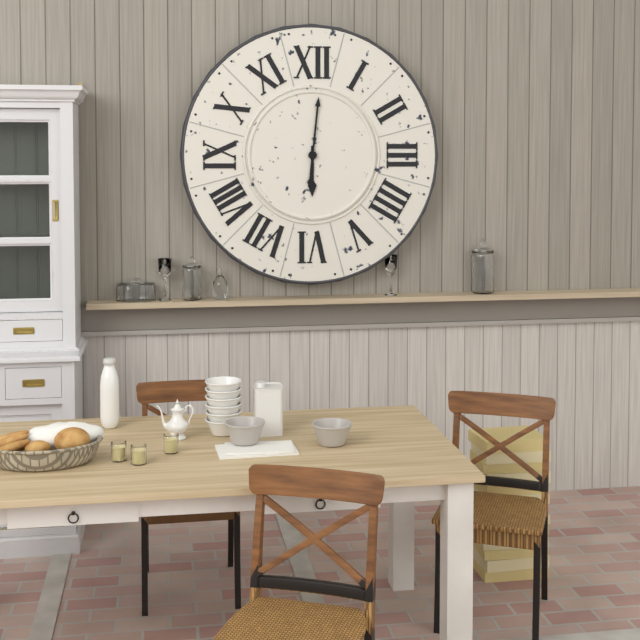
6:01
